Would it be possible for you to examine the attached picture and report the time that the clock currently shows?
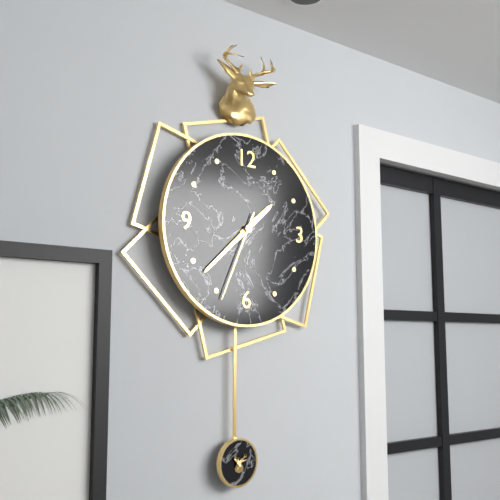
1:38:34
